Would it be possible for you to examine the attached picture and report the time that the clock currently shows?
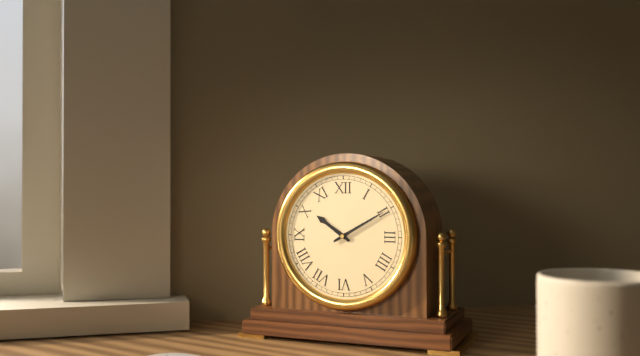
10:10
